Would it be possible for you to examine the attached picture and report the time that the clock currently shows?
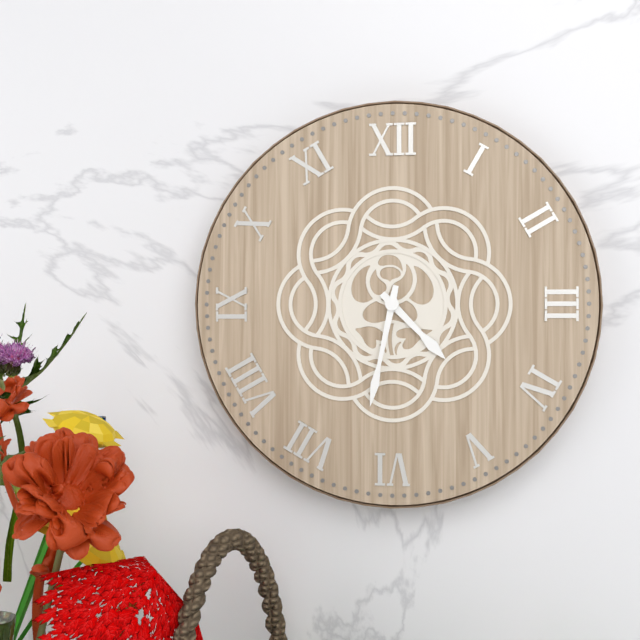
4:32
